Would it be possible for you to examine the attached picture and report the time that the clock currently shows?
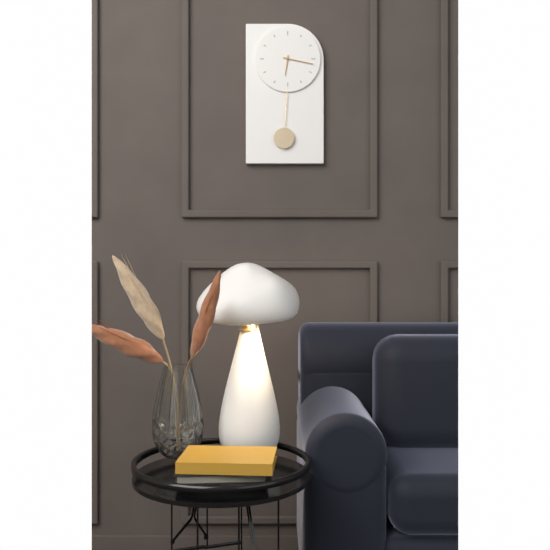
6:17
